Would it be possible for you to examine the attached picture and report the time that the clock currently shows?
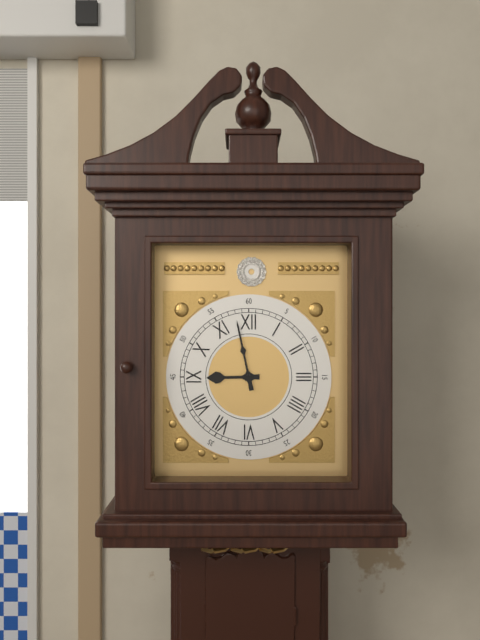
8:58
